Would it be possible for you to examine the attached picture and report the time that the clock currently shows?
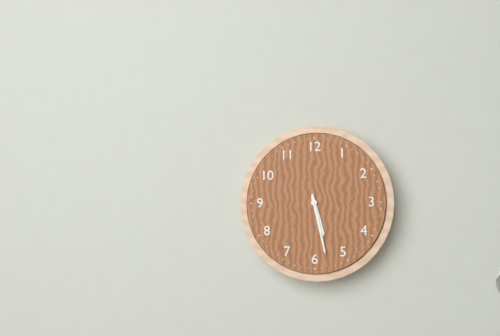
5:28
